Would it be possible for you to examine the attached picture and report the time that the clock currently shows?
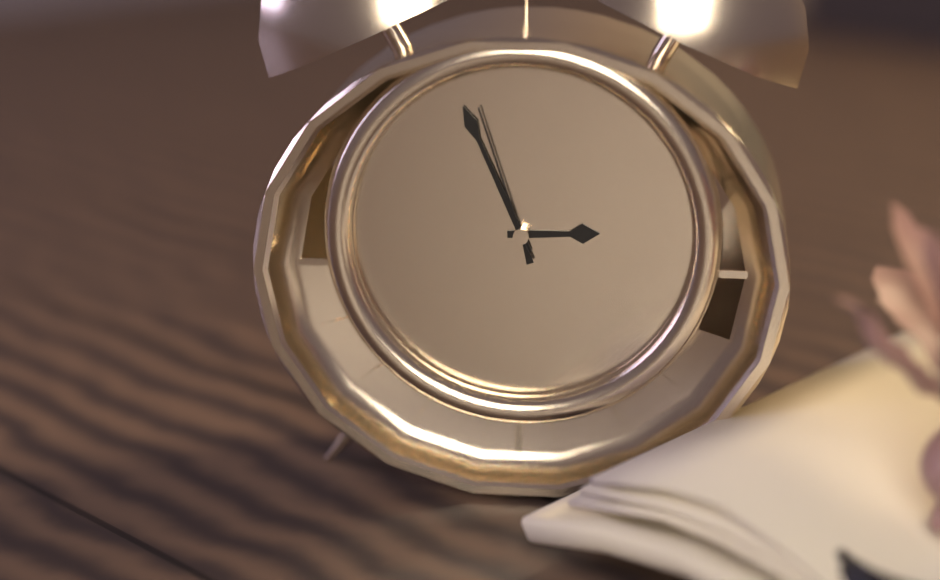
2:56:57
